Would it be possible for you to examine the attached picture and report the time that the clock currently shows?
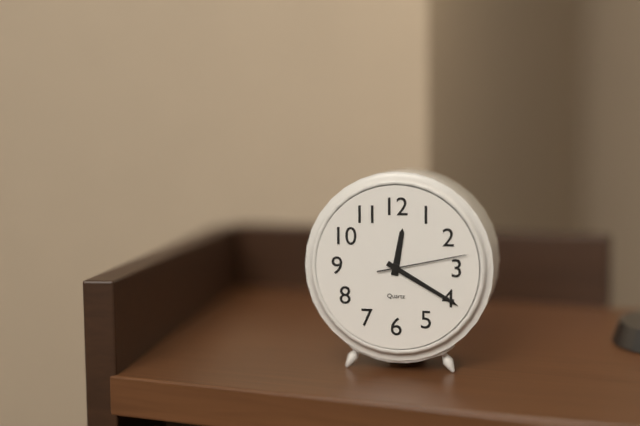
12:20:13
